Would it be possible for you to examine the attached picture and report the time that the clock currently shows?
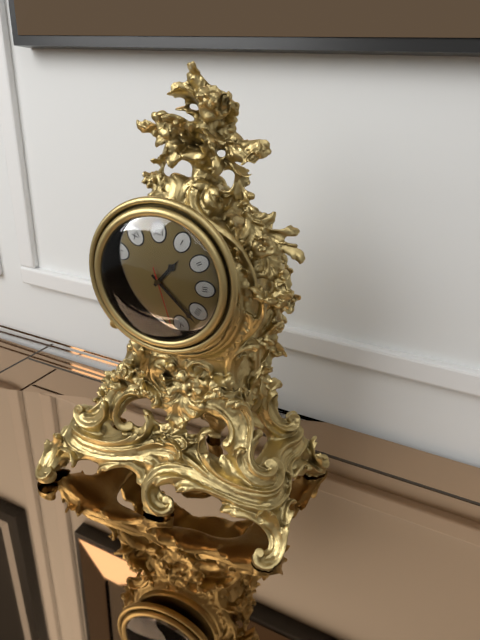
1:22:27
